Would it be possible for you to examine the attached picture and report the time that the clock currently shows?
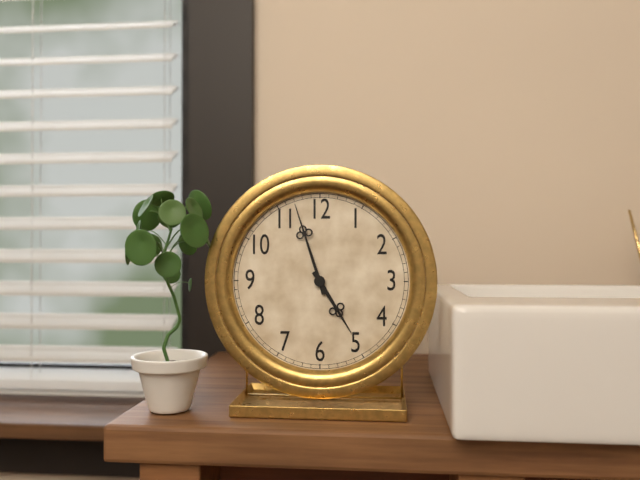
4:57
